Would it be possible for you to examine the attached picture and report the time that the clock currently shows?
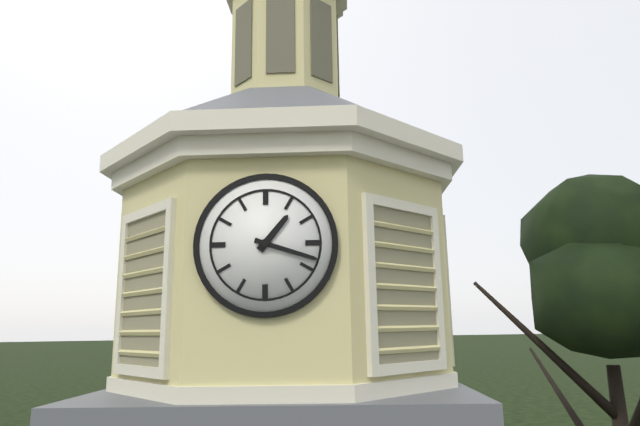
1:18
